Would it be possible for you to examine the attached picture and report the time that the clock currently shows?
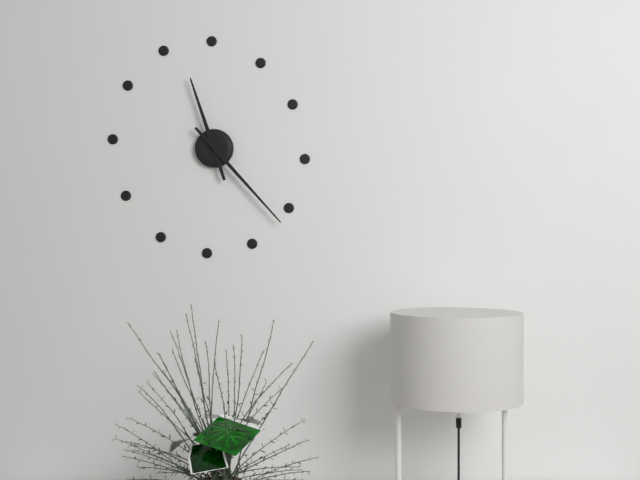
11:23
